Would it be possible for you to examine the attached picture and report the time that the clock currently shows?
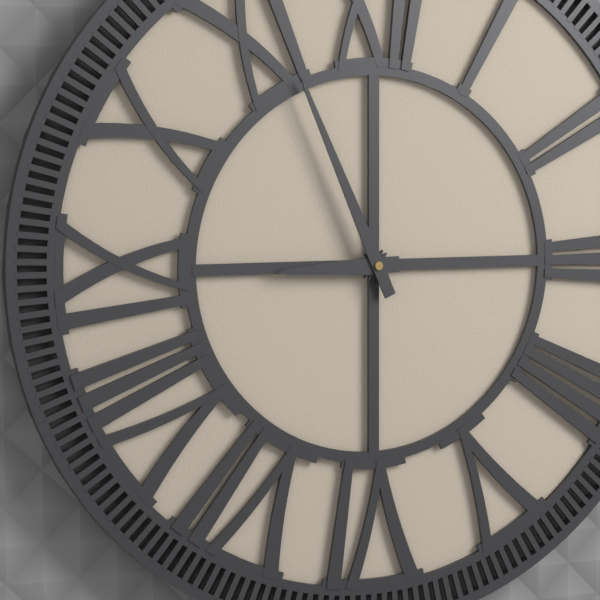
8:56
